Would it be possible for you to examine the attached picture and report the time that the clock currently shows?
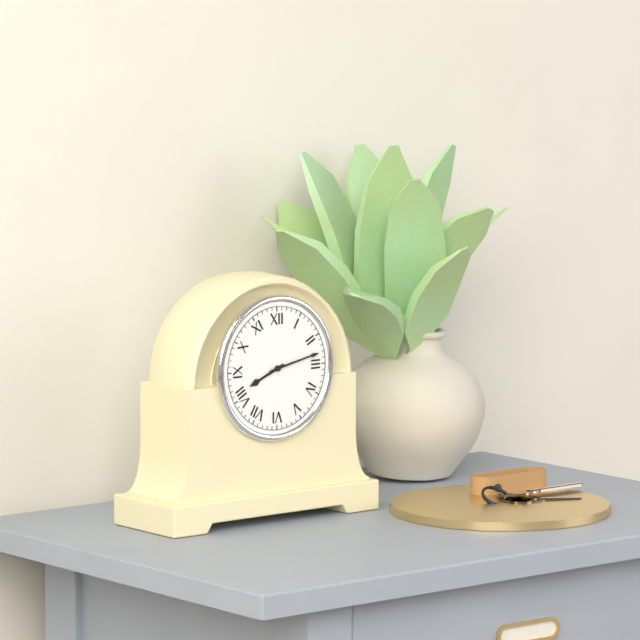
8:13
